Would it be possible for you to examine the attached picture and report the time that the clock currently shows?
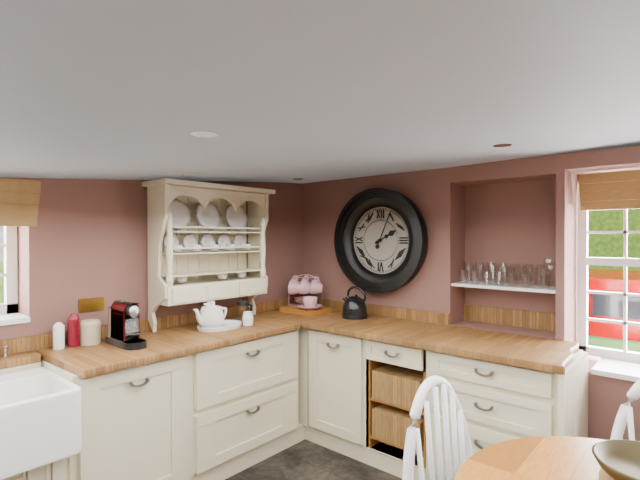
2:04
